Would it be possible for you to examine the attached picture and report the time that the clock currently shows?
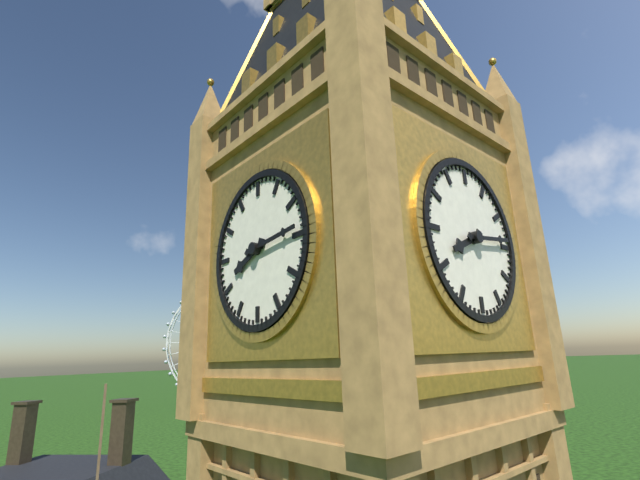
8:14
